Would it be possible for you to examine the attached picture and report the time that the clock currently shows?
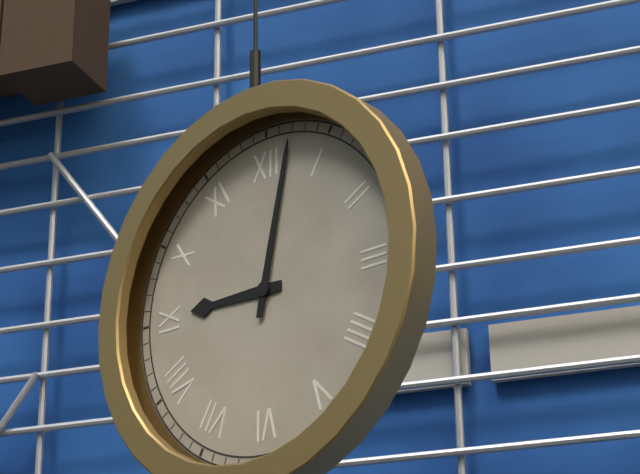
9:02
